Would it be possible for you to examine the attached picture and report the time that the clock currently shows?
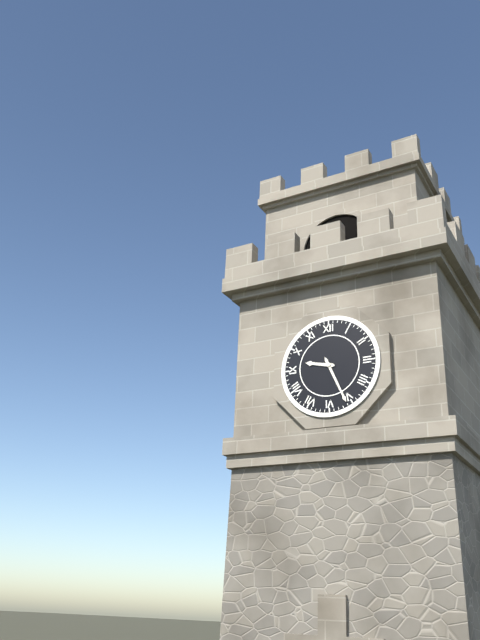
9:26
